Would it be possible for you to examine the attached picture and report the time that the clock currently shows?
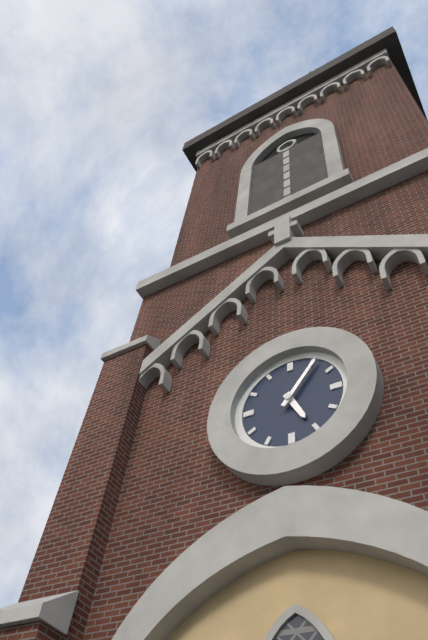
5:06
